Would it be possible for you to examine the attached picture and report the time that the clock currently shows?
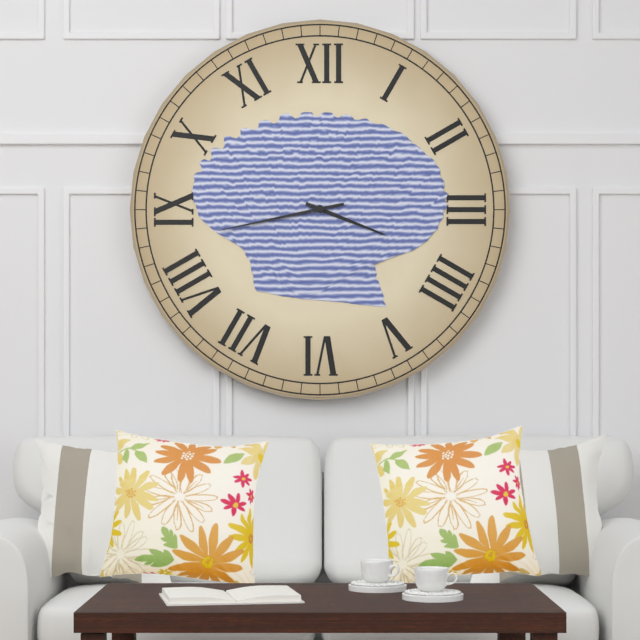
3:43
